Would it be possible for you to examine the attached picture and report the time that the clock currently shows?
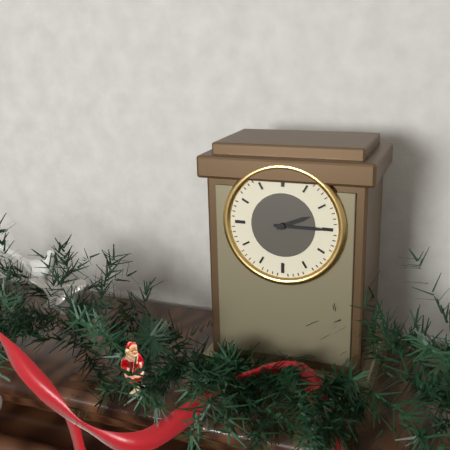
2:15
